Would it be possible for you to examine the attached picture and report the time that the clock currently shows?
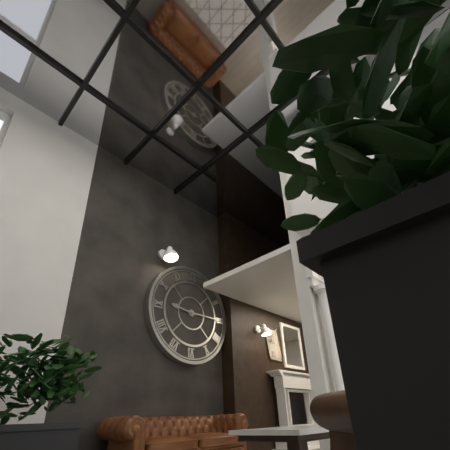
9:15
